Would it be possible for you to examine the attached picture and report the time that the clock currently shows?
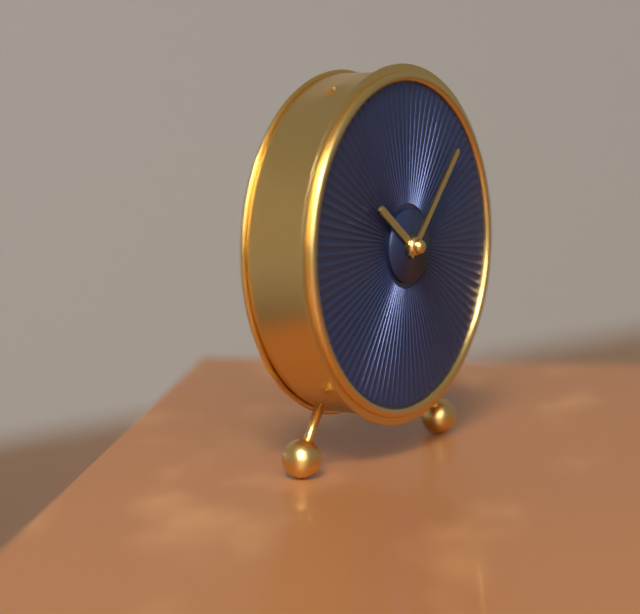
10:07
